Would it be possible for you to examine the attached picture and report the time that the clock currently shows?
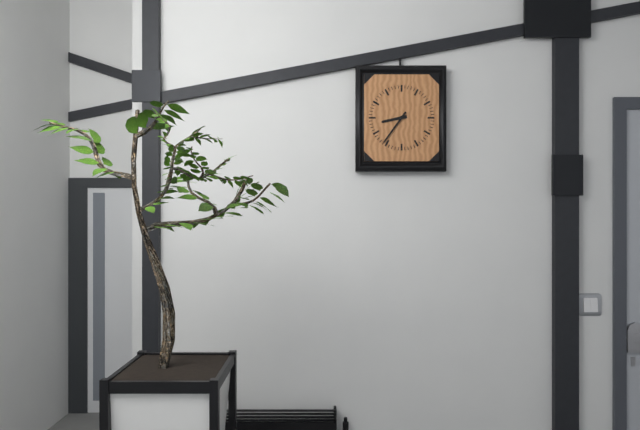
8:36
